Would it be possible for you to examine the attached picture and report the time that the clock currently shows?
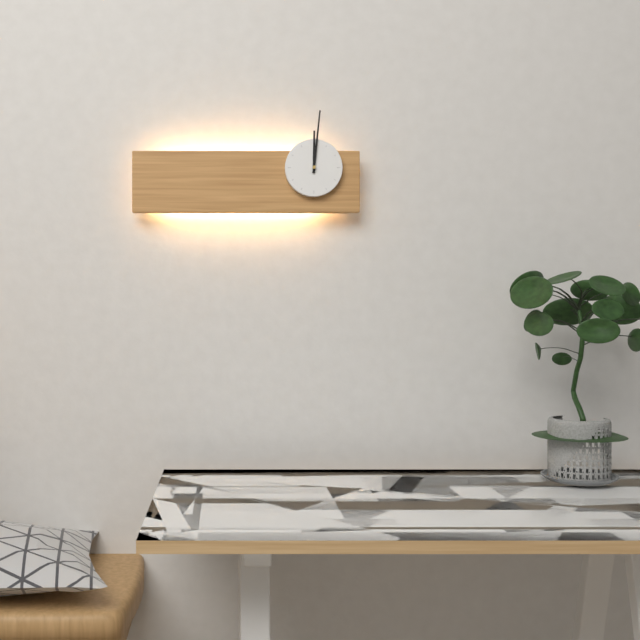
12:01
